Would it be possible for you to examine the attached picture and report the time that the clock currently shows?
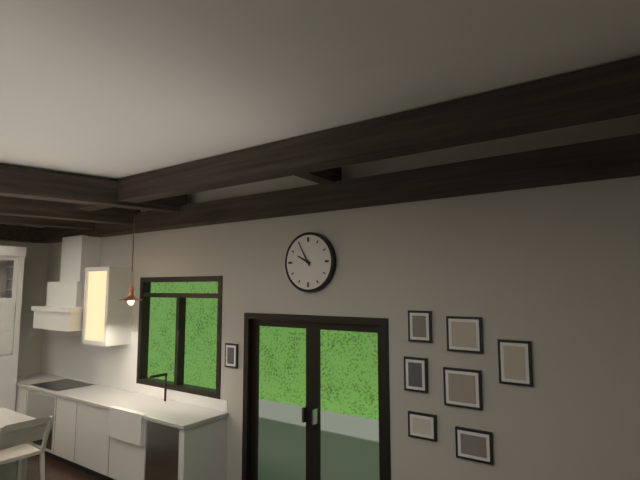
9:55
